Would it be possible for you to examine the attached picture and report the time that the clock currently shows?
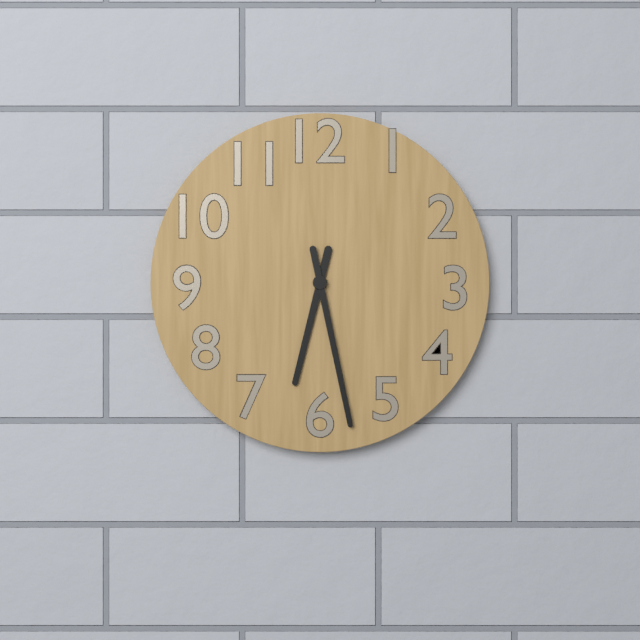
6:28
